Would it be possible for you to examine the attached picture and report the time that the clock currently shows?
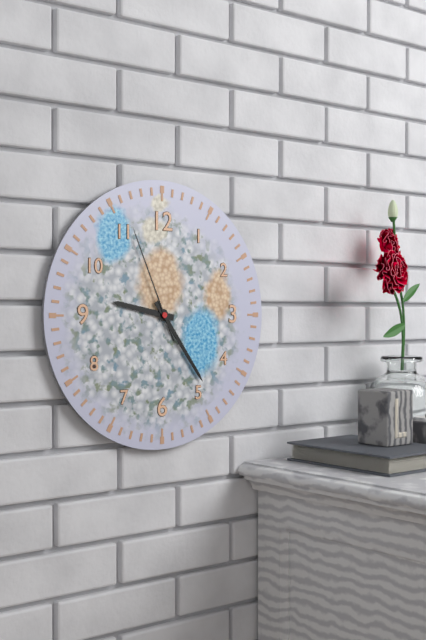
9:24:56
